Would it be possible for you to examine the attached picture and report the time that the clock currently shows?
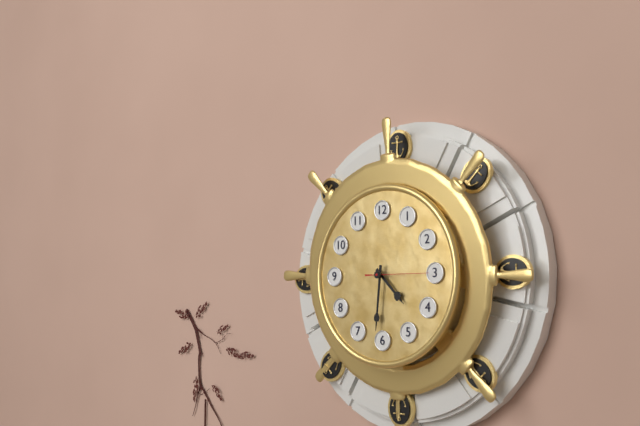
4:31:15
